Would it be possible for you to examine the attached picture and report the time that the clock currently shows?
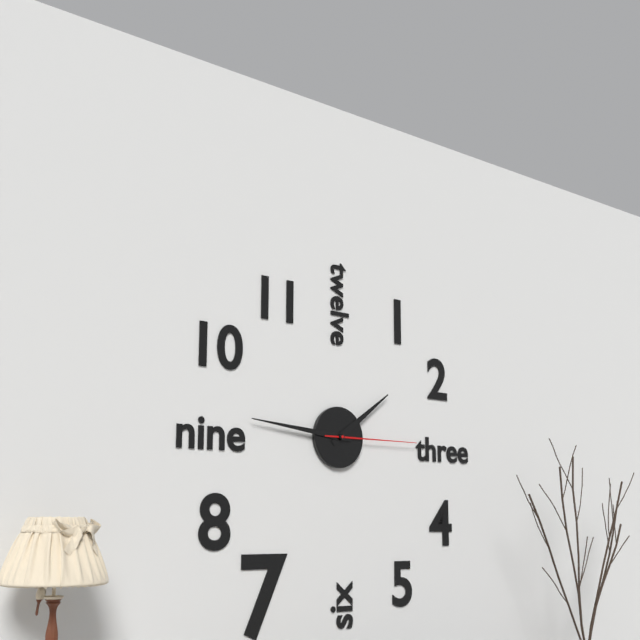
1:46:15
